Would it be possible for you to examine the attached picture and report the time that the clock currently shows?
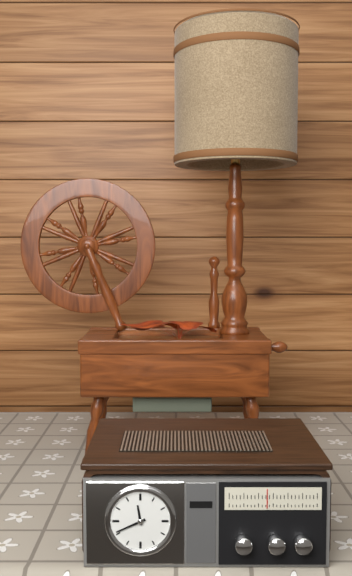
11:41
